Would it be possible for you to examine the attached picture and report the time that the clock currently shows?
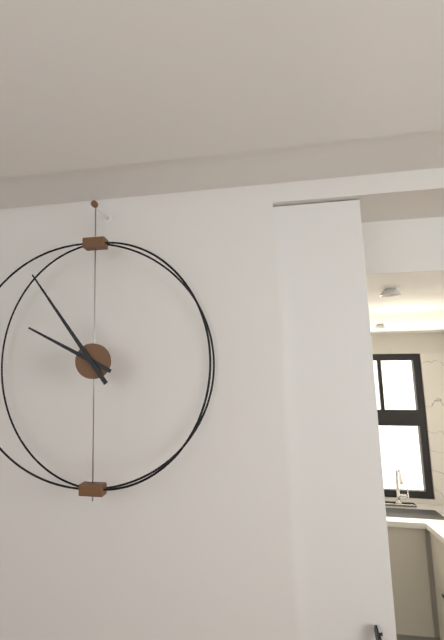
9:54
